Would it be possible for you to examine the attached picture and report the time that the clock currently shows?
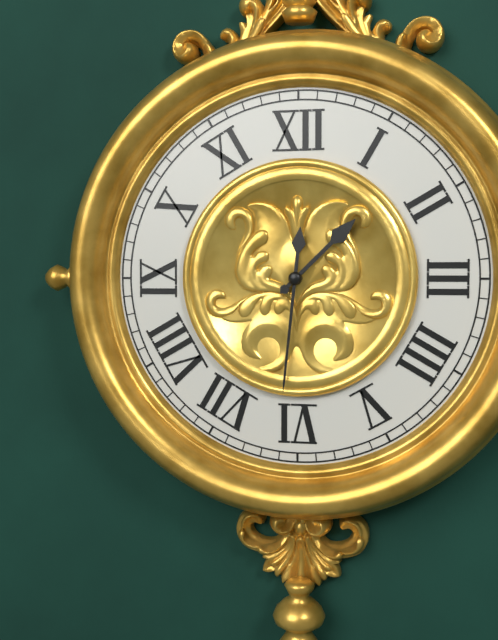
1:31
